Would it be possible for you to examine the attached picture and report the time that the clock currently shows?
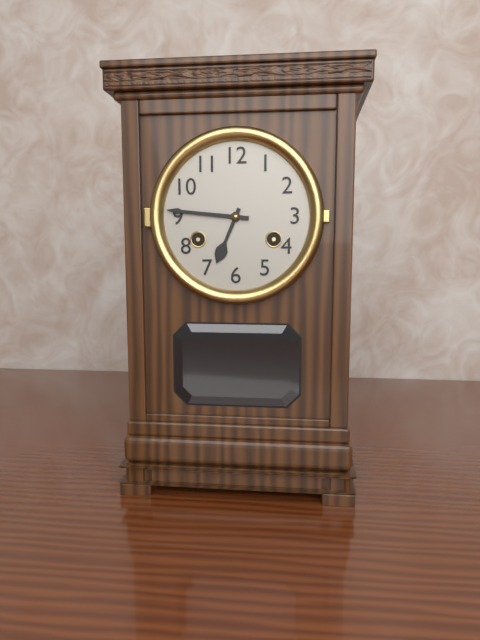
6:46
